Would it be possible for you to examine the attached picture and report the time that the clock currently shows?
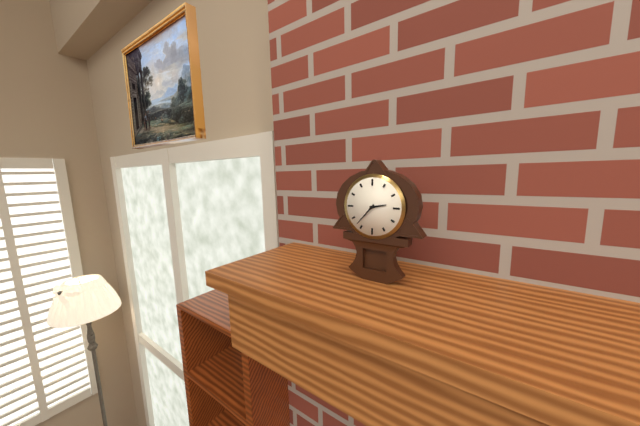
2:37
